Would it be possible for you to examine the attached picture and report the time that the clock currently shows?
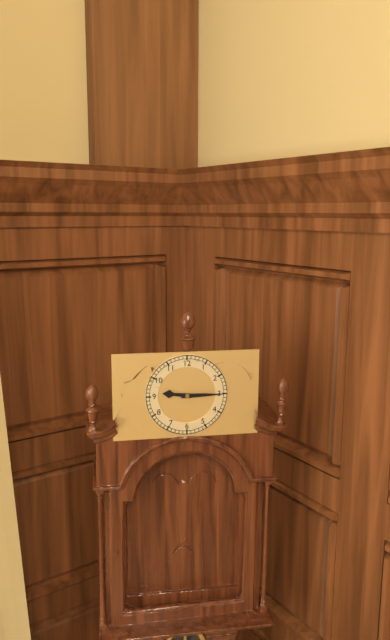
9:15
